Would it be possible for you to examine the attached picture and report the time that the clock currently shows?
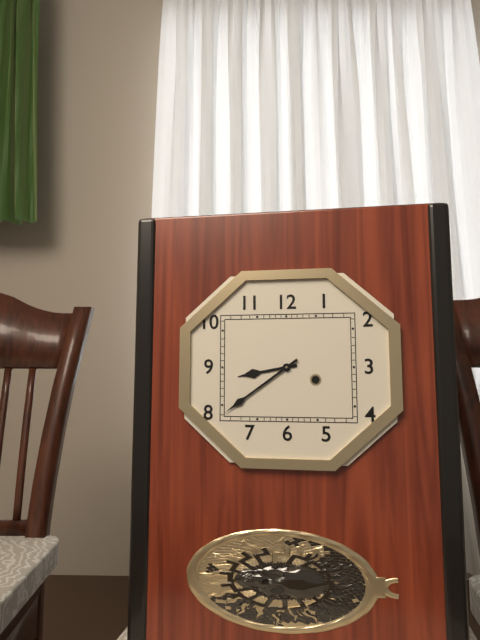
8:39
